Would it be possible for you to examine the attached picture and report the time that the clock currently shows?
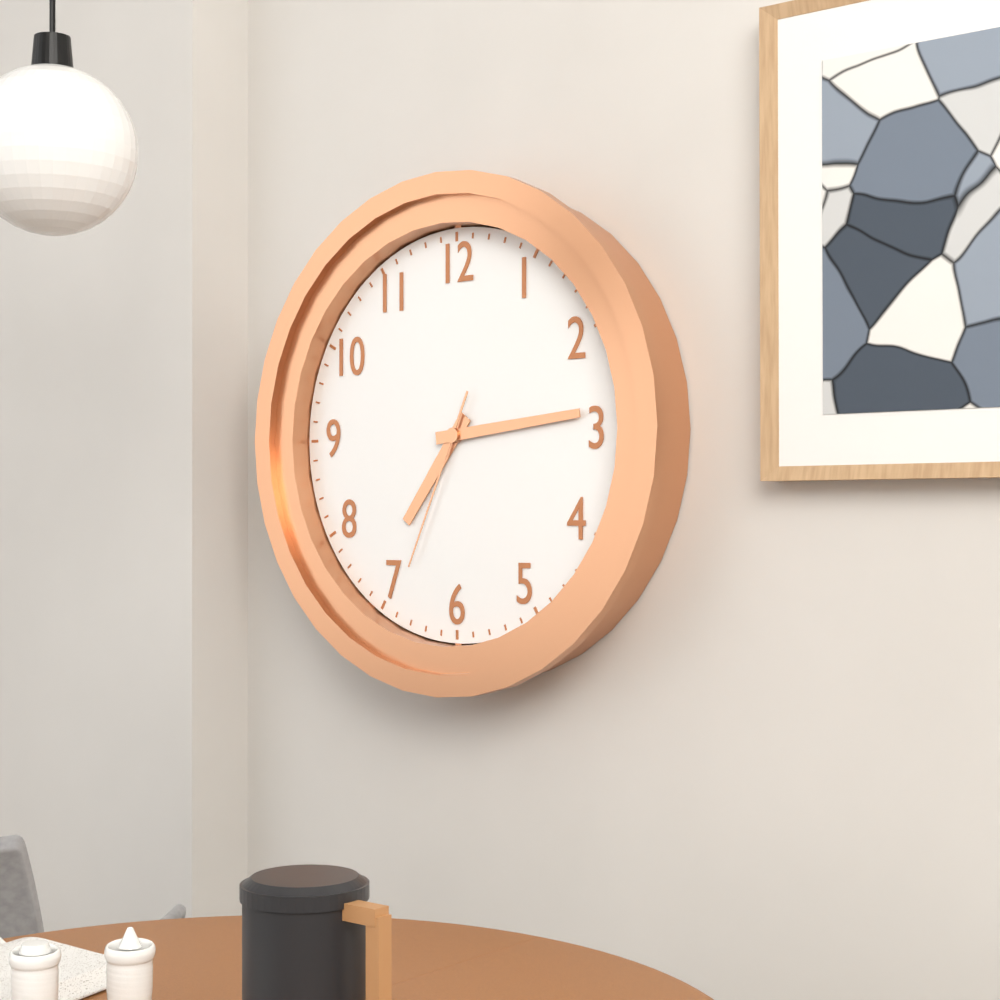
7:14:34
